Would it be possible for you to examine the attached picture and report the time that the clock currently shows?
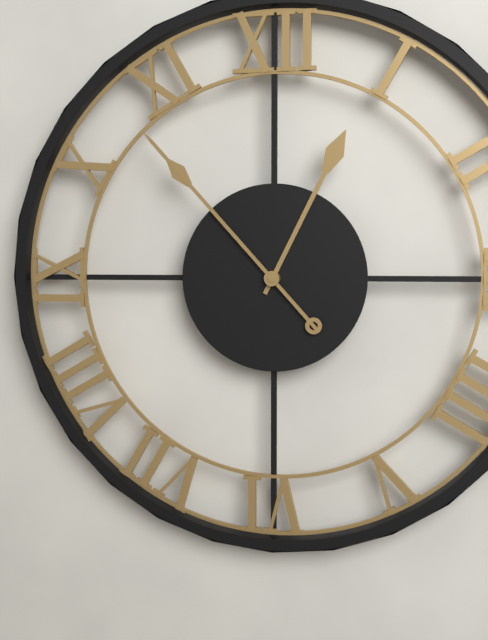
12:53
